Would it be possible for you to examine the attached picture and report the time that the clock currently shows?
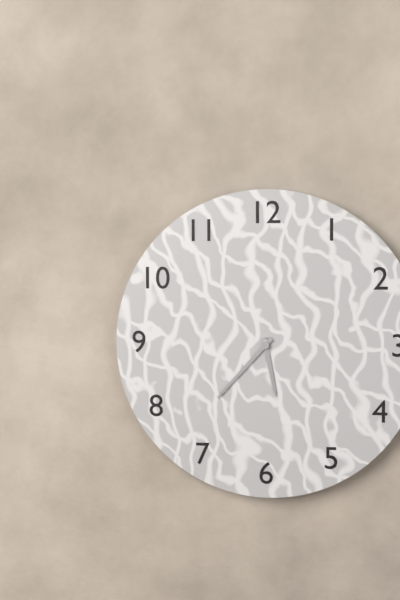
5:37
